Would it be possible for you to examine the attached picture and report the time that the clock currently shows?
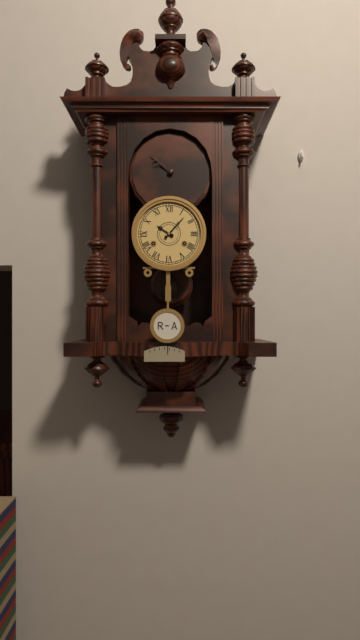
10:07
